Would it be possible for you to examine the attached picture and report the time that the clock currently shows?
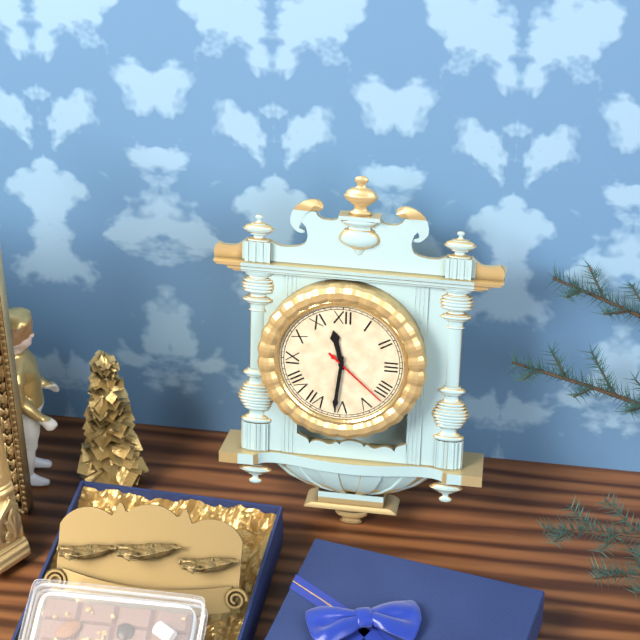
11:31:22
